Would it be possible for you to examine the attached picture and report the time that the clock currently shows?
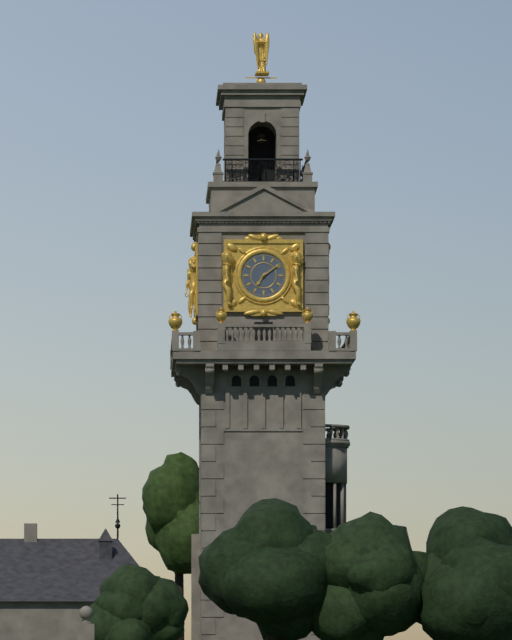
7:09
